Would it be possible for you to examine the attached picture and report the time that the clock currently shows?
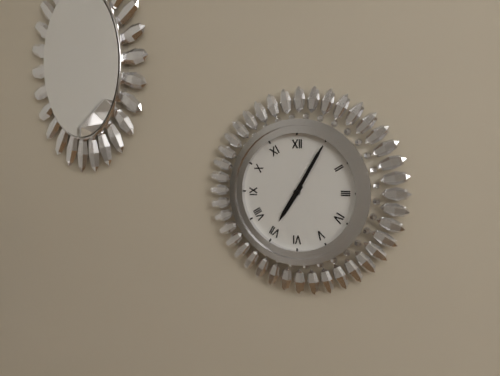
7:05
